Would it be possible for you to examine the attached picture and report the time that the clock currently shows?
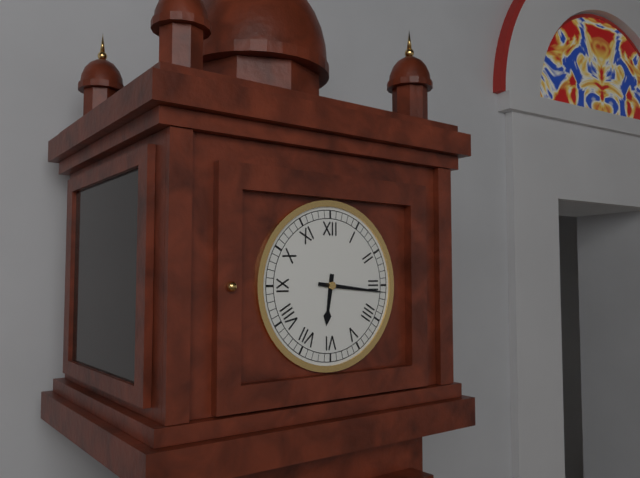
6:16
